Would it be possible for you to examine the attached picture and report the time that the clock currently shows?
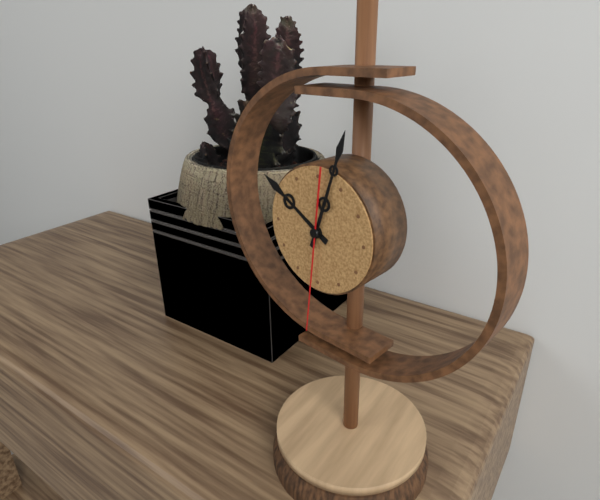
10:03:31
